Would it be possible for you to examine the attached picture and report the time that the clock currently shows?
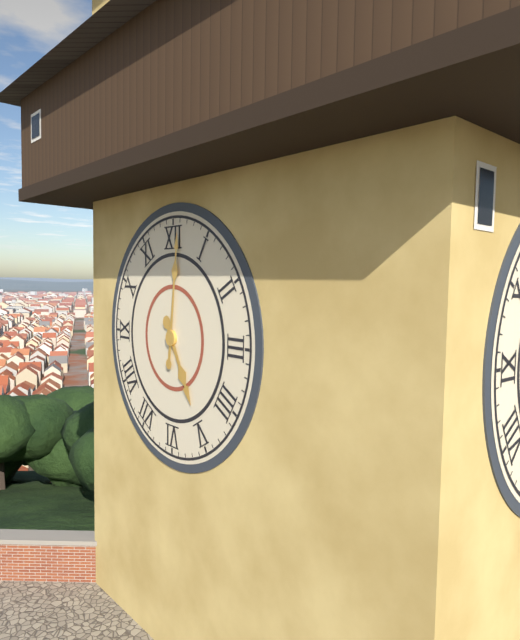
5:01
